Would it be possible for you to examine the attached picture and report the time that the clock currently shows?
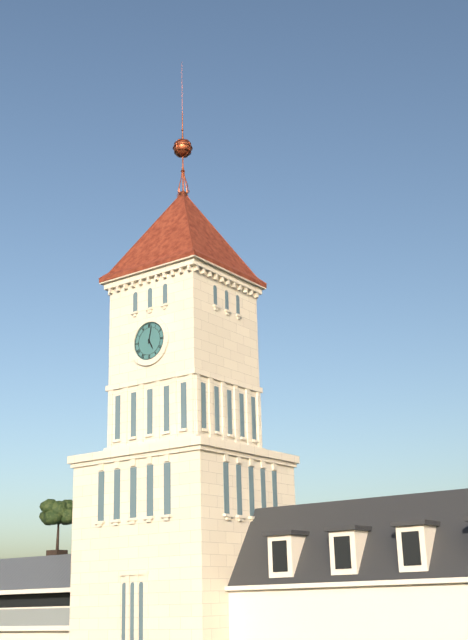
5:02
